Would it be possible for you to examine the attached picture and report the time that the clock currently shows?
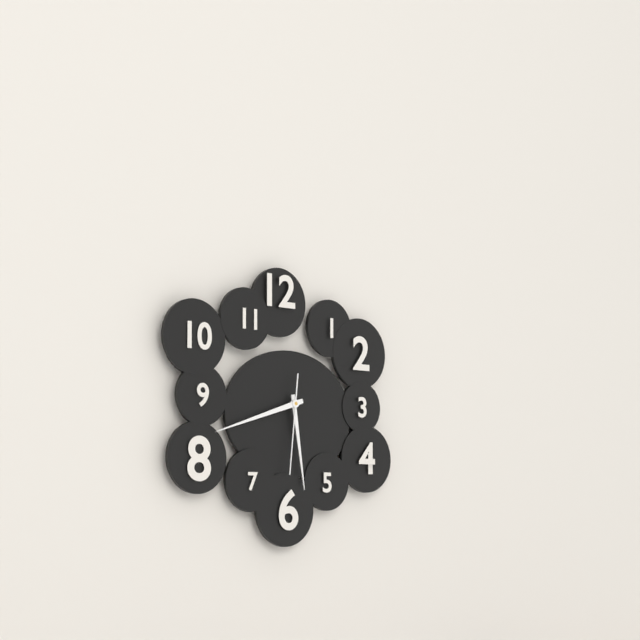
5:42:31
